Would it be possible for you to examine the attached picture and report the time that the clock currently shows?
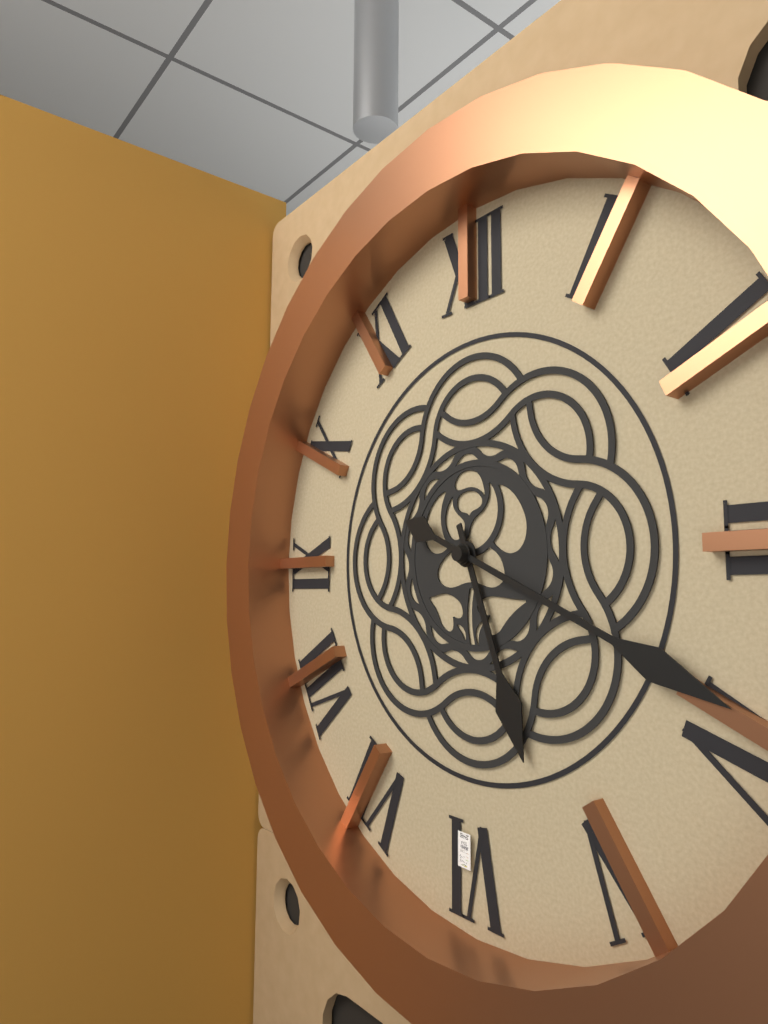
5:19
